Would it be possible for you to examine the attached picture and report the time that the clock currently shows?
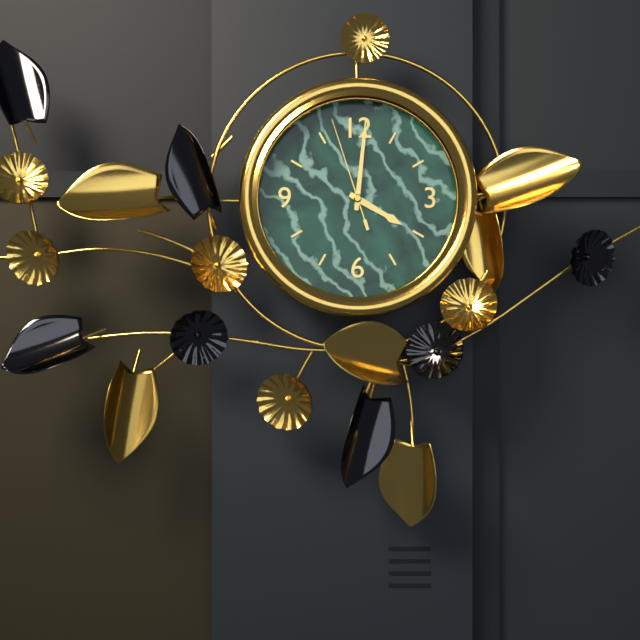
4:01:57
